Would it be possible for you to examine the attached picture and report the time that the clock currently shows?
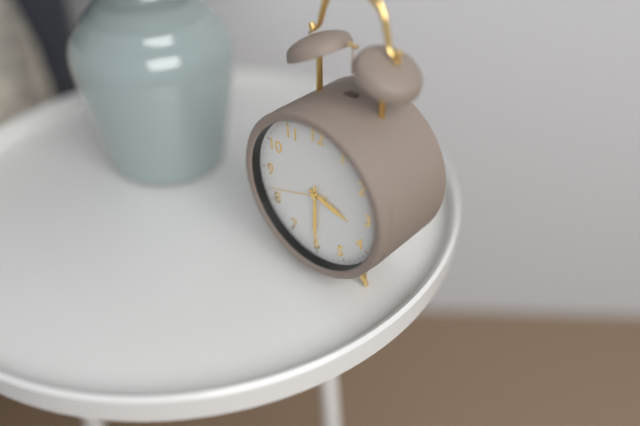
3:30:42
